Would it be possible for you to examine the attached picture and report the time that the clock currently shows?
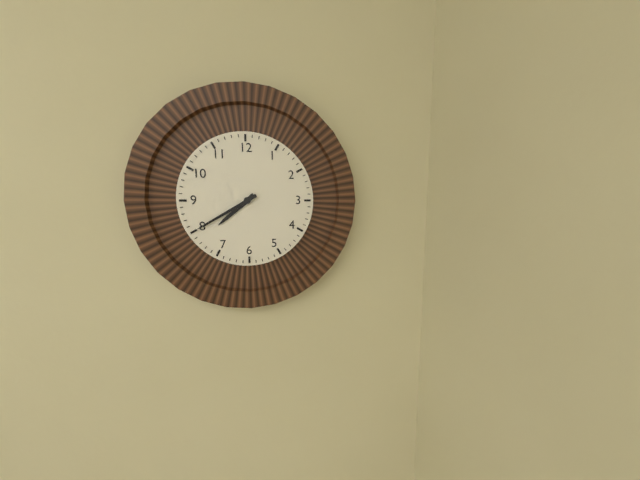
7:40
